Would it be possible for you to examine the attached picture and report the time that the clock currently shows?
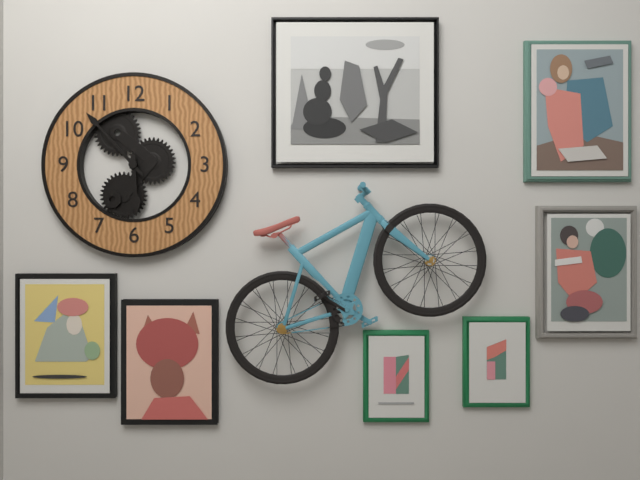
5:53
